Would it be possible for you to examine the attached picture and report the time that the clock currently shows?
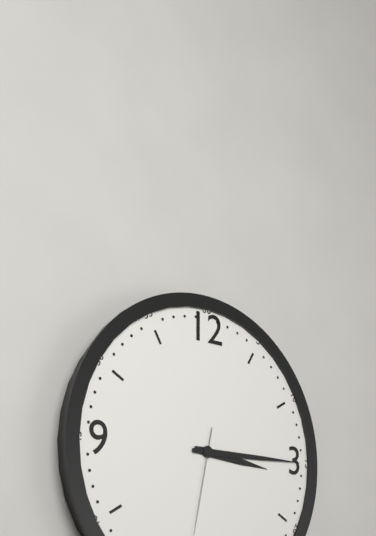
3:15
